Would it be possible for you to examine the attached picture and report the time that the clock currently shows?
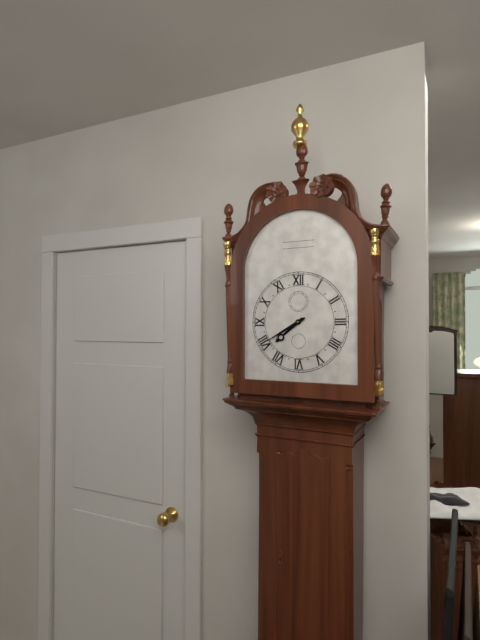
7:40
